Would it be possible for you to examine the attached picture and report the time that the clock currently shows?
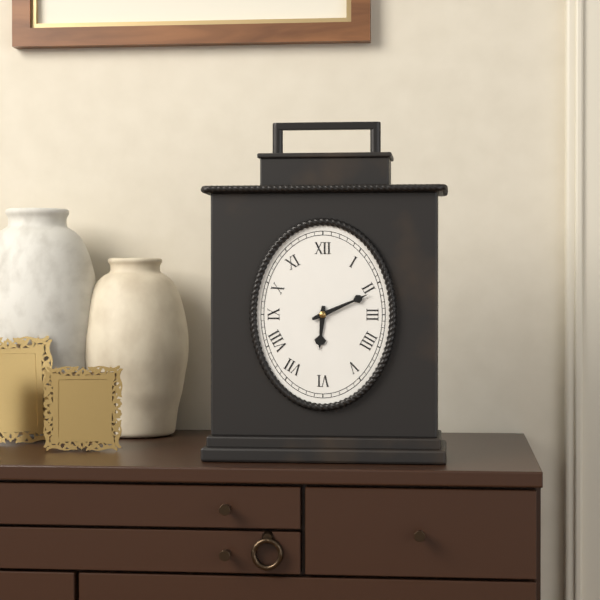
6:11
